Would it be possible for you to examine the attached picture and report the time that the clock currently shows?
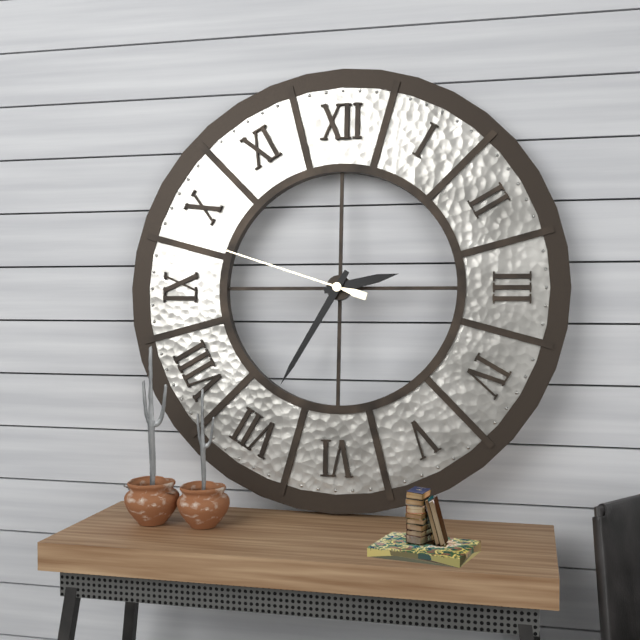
2:35:48
